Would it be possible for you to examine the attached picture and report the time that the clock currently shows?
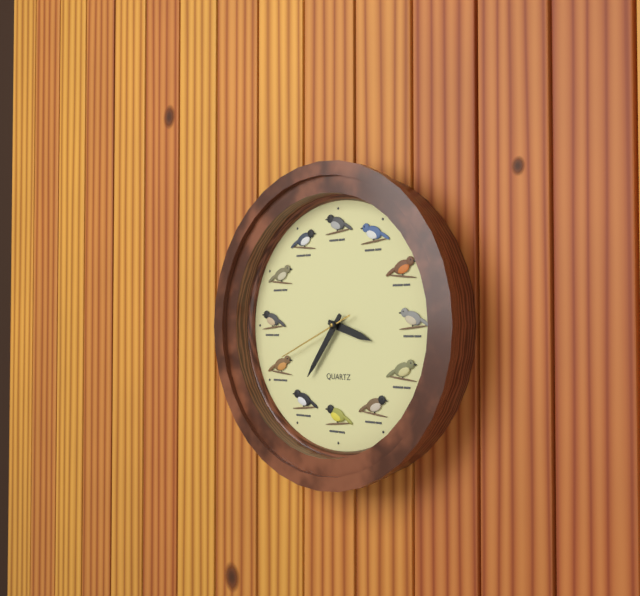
3:36:41
